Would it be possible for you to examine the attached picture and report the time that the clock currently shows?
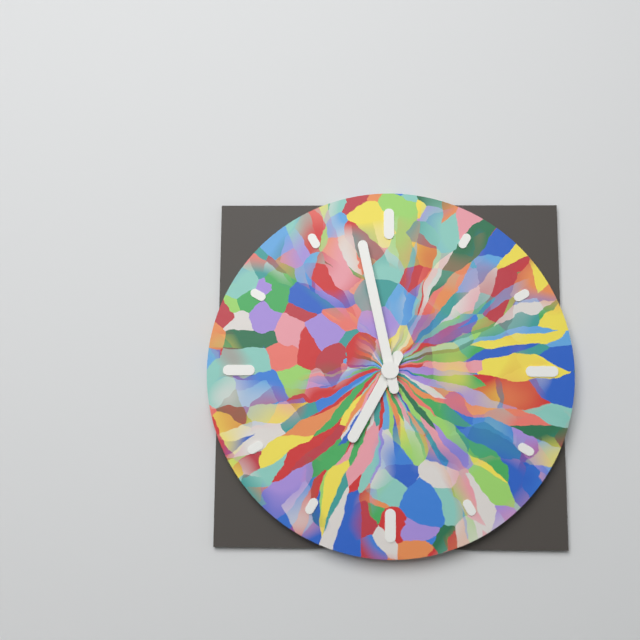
6:58
